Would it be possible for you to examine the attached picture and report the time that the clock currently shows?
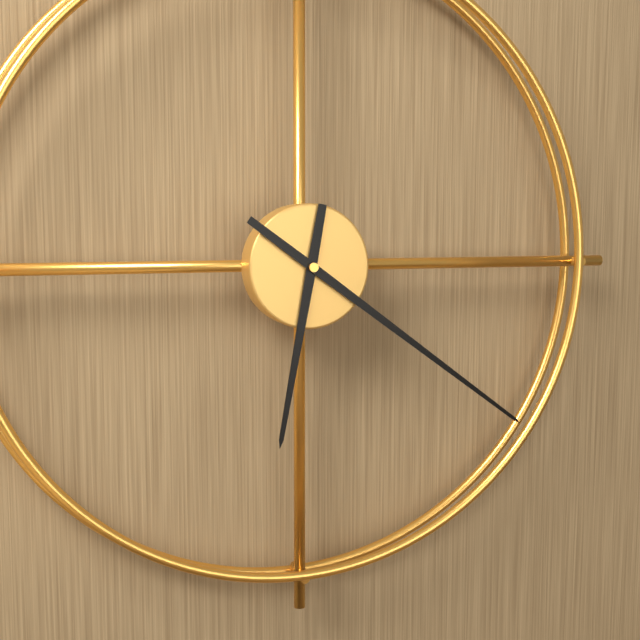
6:21
